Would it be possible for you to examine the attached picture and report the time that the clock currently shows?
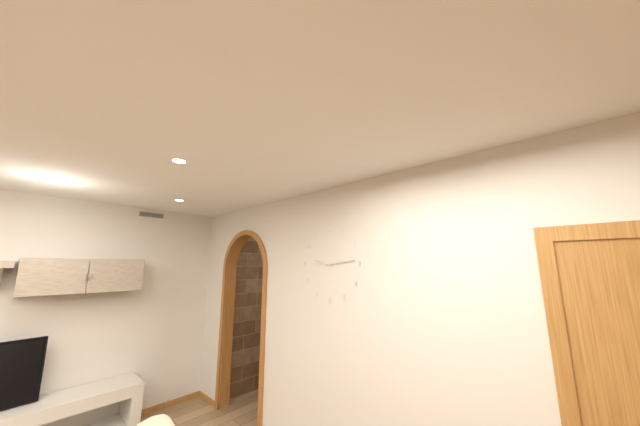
9:14
